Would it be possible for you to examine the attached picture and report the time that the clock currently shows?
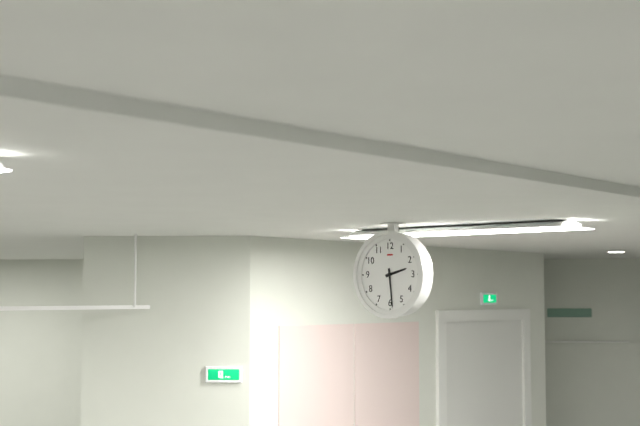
2:29
